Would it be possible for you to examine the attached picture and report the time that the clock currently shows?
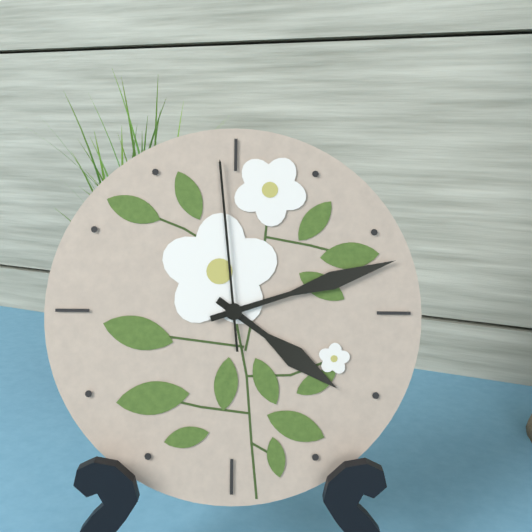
4:12:59
